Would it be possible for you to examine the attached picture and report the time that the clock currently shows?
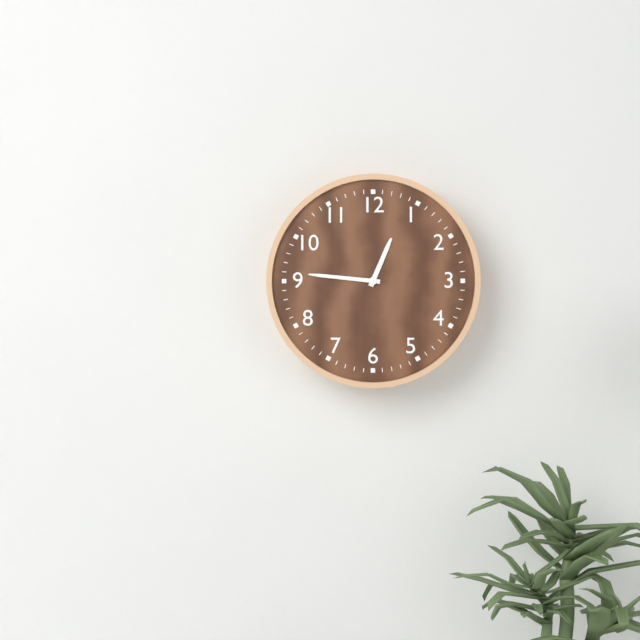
12:46
